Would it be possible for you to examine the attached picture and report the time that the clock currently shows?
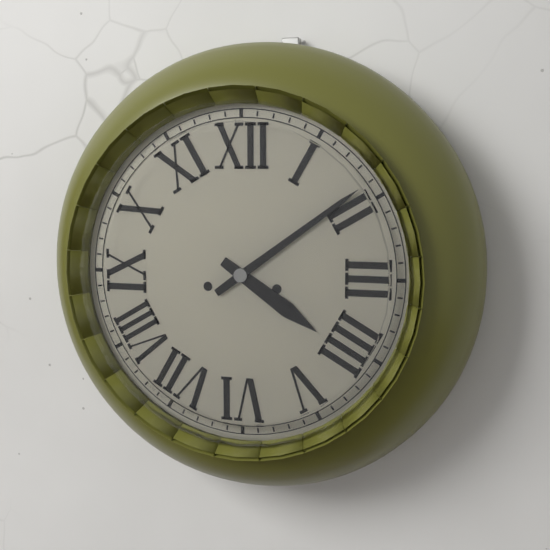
4:09
